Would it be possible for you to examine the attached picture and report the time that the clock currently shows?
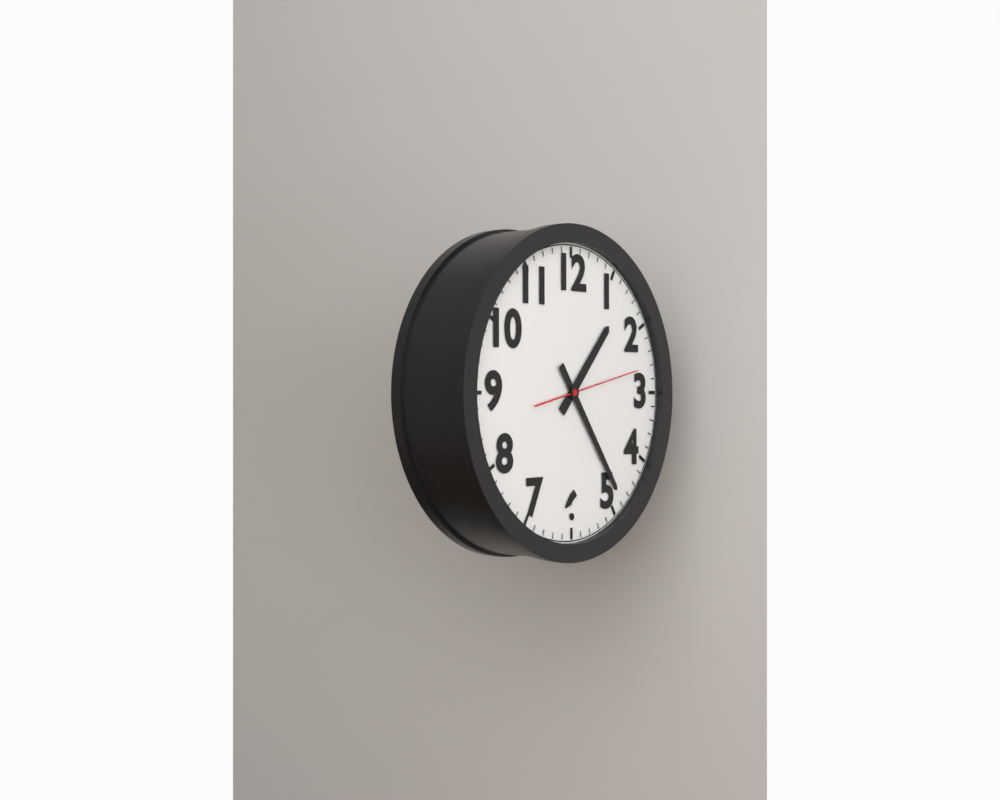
1:24:13
